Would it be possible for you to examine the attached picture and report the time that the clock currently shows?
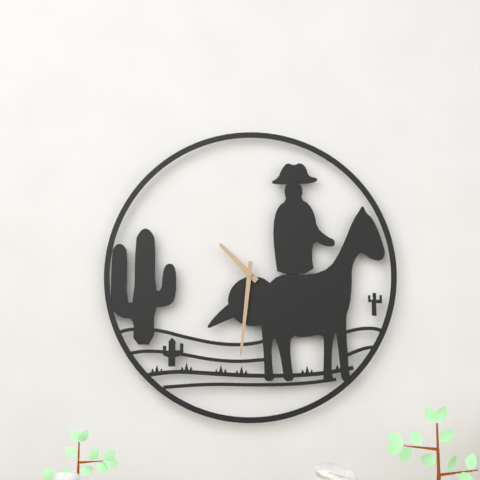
10:31
